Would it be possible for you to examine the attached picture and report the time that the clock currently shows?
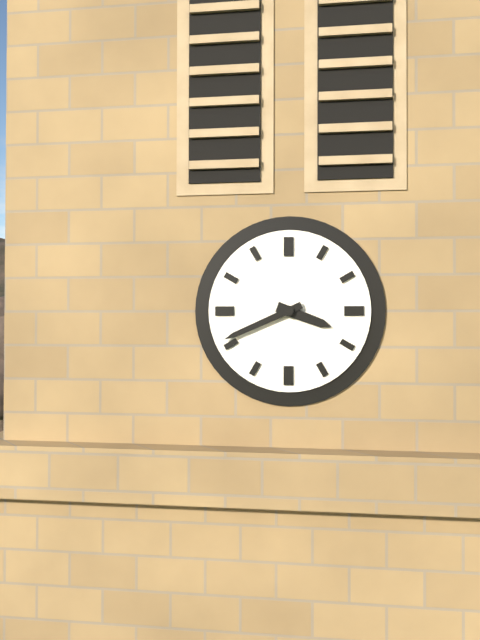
3:41
